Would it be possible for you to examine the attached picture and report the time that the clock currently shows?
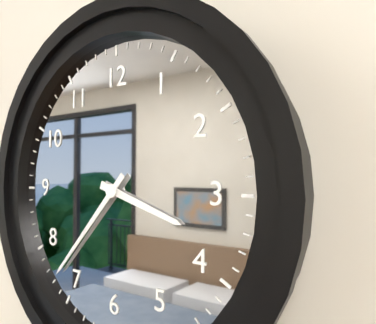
3:37
